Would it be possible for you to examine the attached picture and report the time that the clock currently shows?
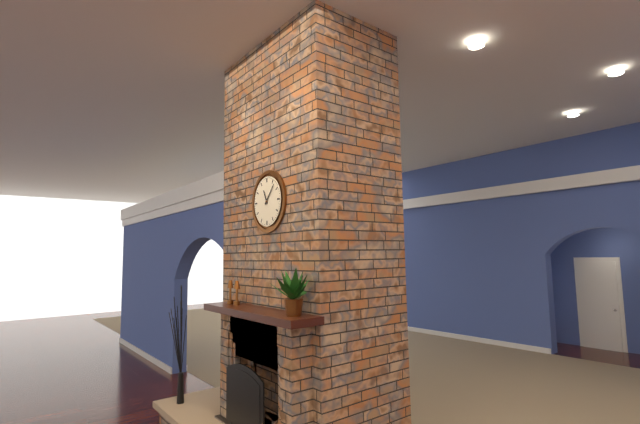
11:07
